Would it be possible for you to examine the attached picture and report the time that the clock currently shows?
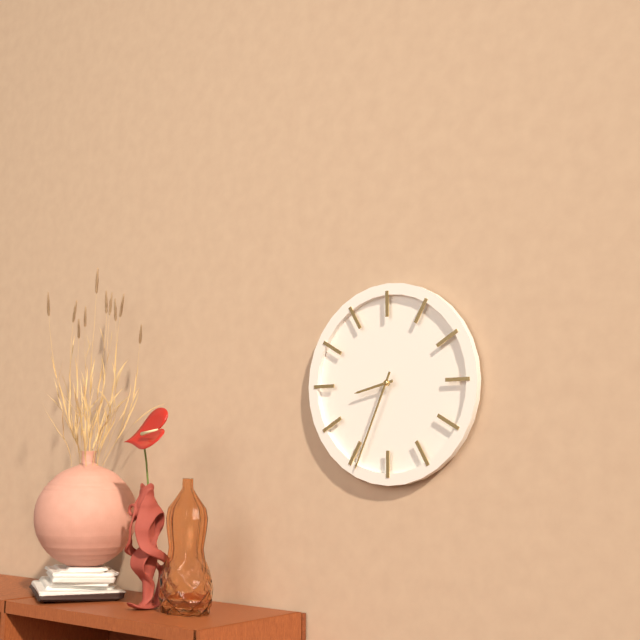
8:34
